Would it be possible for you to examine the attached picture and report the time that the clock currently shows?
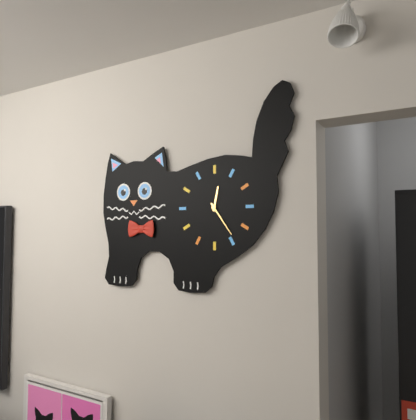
12:24
